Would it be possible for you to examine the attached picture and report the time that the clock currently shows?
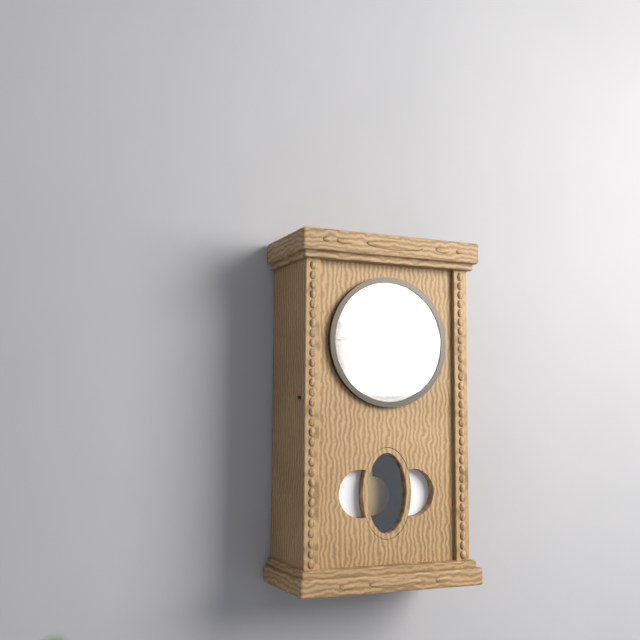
6:48
